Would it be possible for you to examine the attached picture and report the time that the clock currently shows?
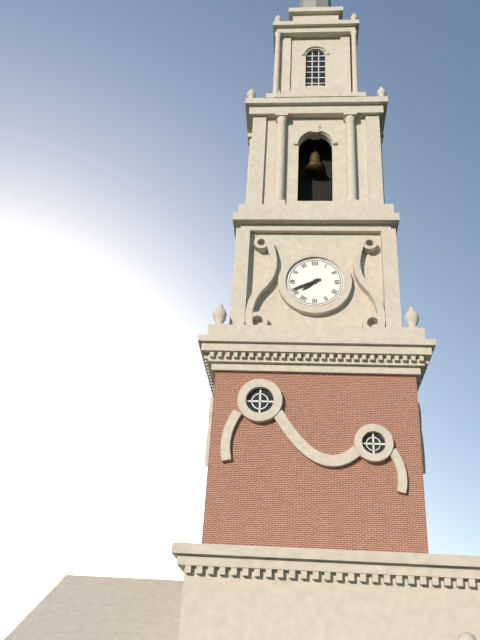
7:41
